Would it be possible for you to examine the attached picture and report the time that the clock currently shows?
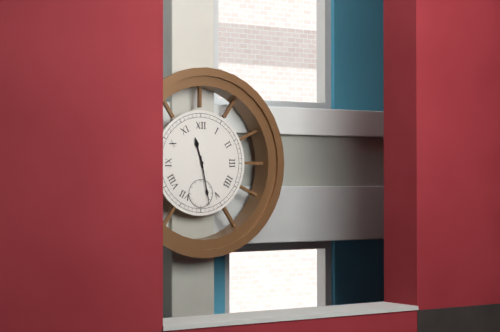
11:28
